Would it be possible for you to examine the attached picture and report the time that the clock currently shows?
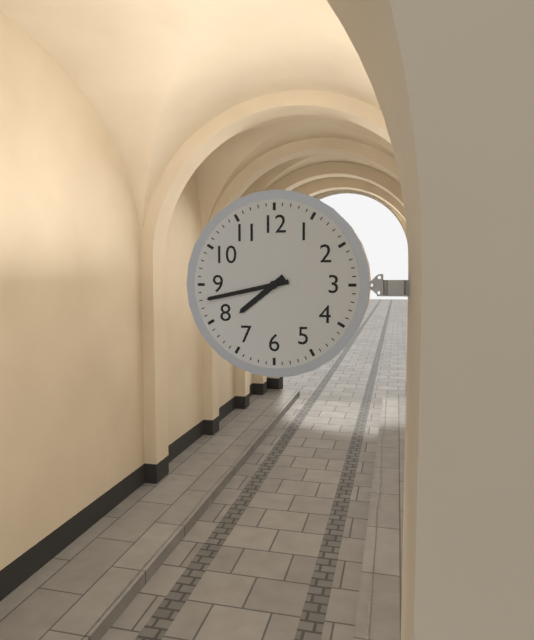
7:43
